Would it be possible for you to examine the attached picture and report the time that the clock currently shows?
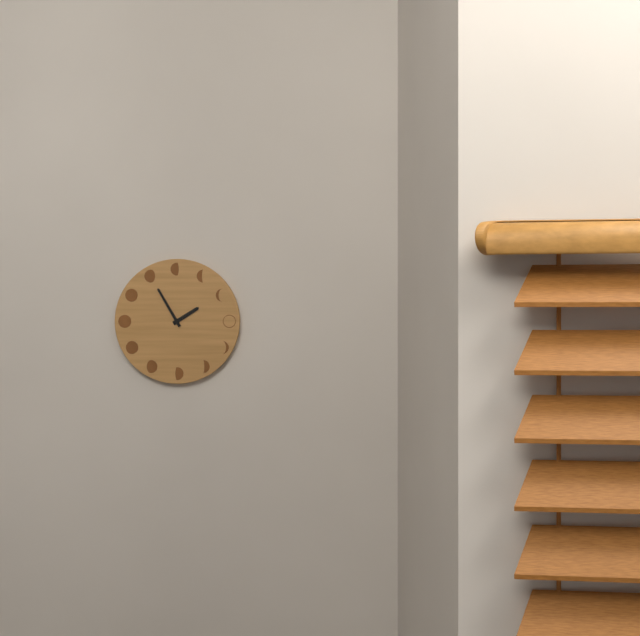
1:55
